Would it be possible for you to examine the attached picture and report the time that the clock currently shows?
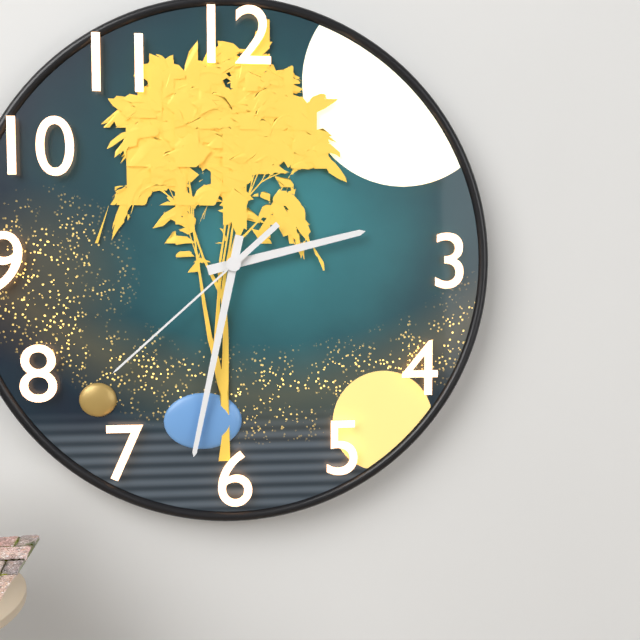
2:32:38
